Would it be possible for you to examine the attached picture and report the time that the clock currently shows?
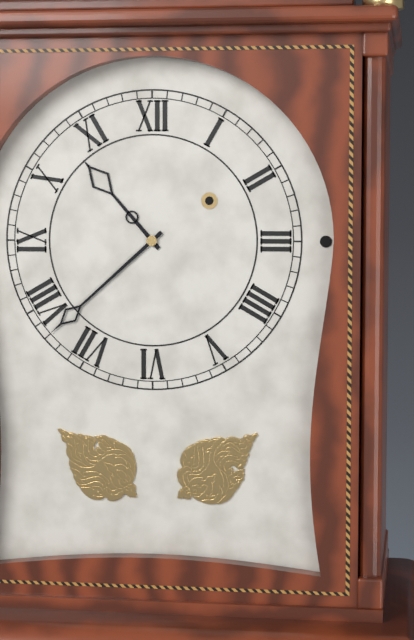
10:38
